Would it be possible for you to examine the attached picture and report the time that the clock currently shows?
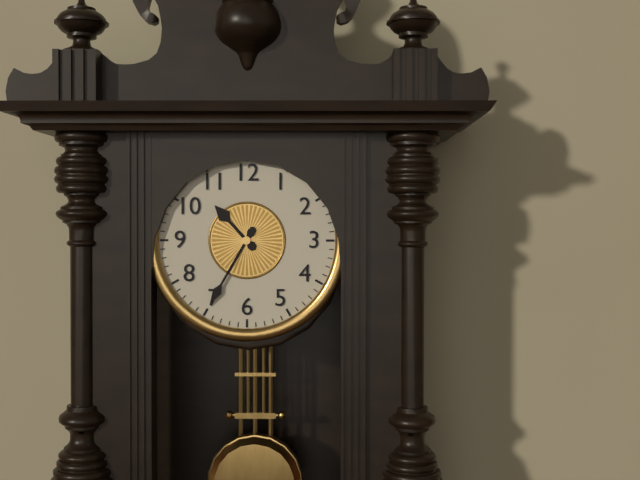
10:35
